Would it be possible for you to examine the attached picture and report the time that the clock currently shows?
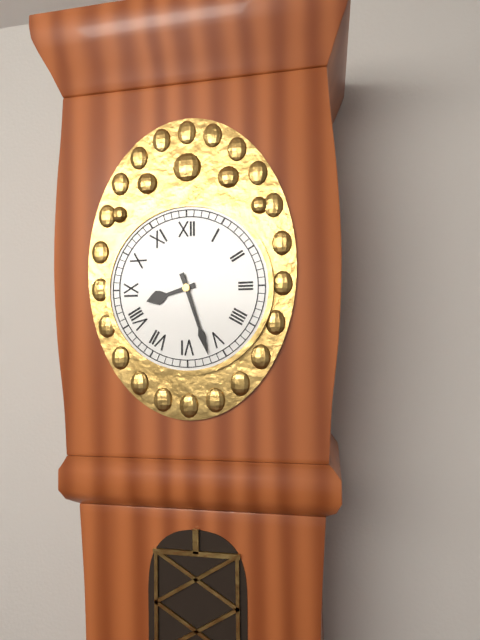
8:27
